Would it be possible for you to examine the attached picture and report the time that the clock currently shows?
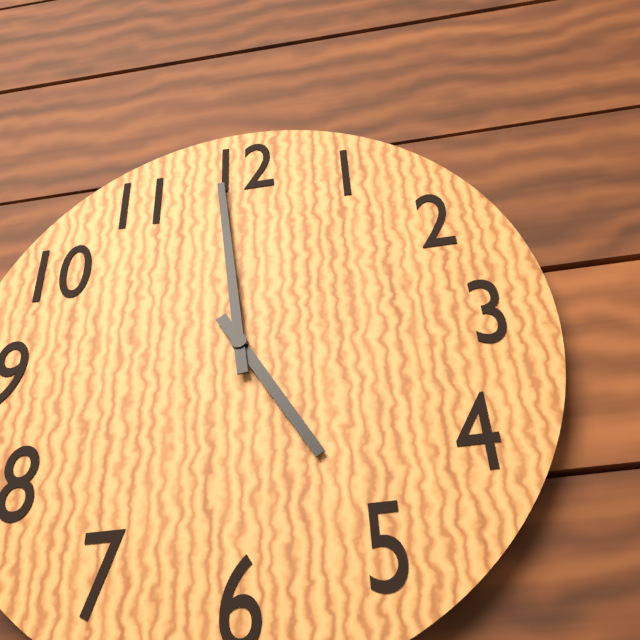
4:59
